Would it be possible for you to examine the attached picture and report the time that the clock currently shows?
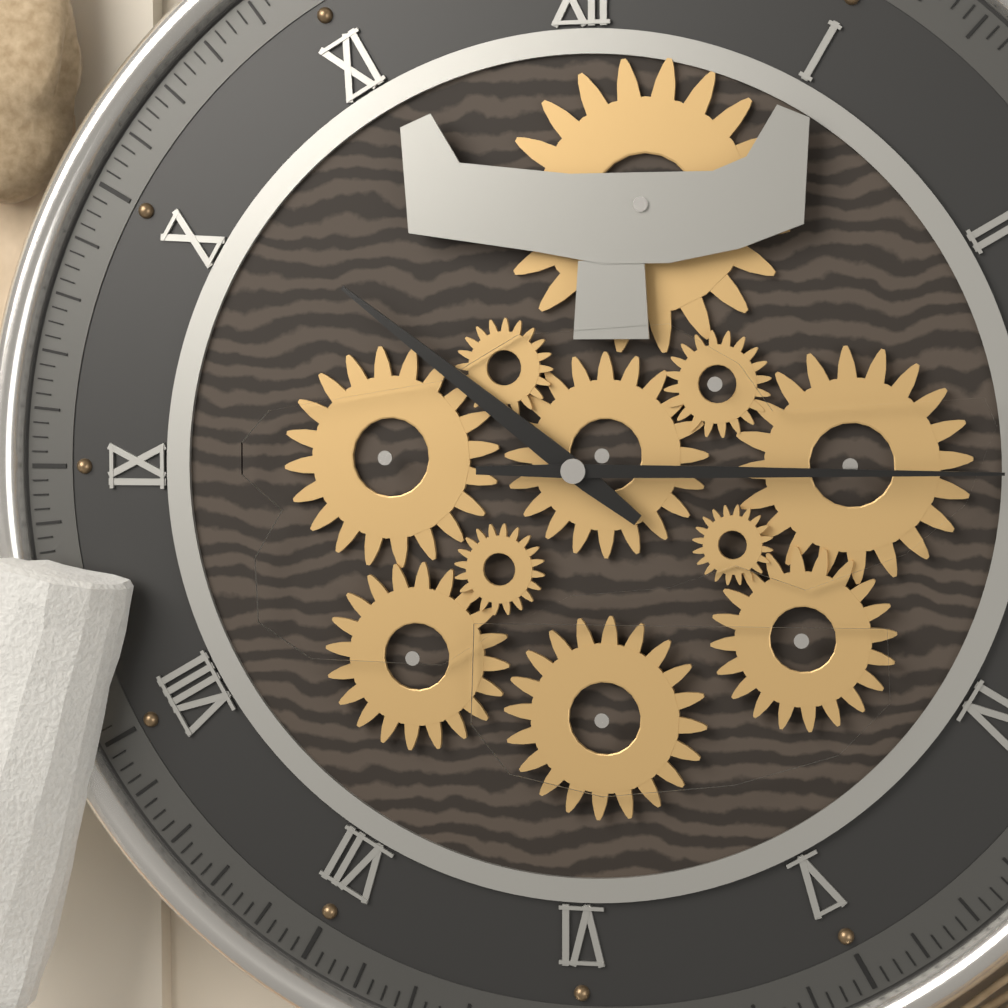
10:15
